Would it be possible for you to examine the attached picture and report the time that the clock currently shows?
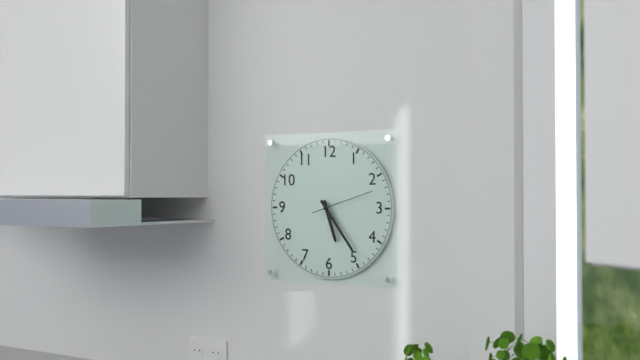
5:24:12
